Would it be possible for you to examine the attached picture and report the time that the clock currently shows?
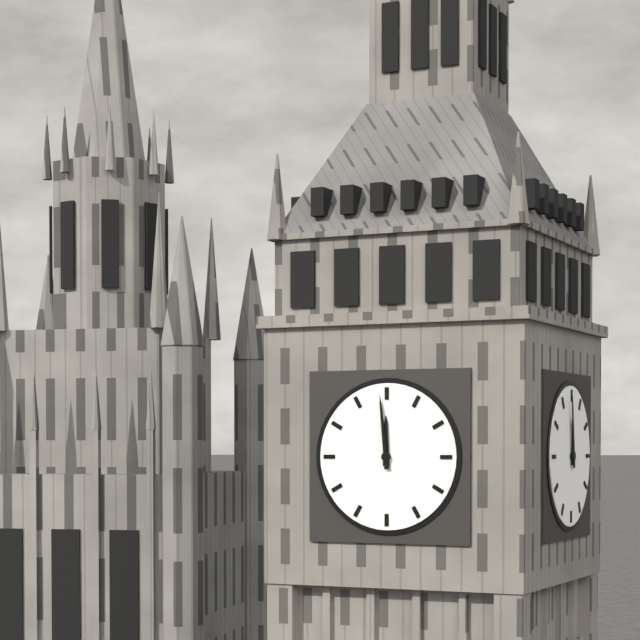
11:59
